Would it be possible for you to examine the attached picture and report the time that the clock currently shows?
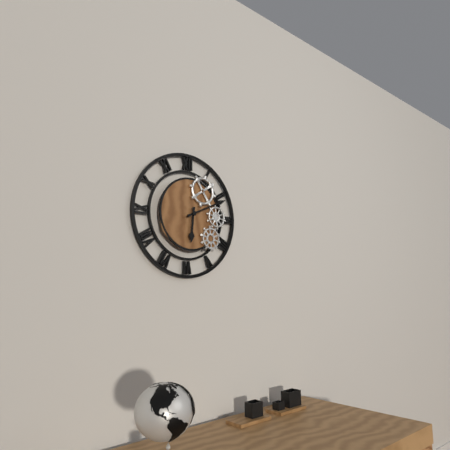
6:11
